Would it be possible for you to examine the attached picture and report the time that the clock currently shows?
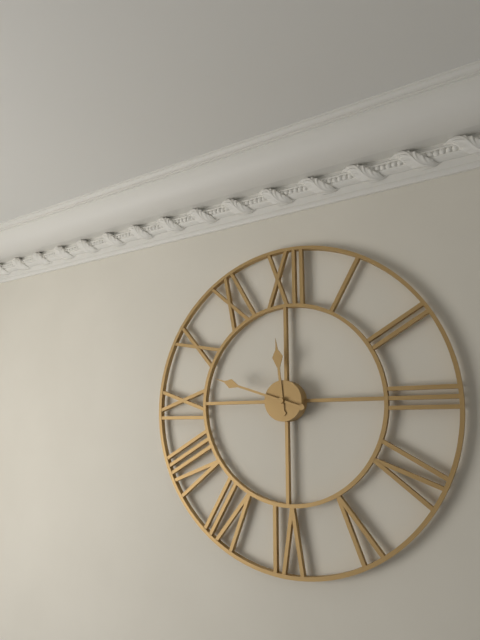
11:48
